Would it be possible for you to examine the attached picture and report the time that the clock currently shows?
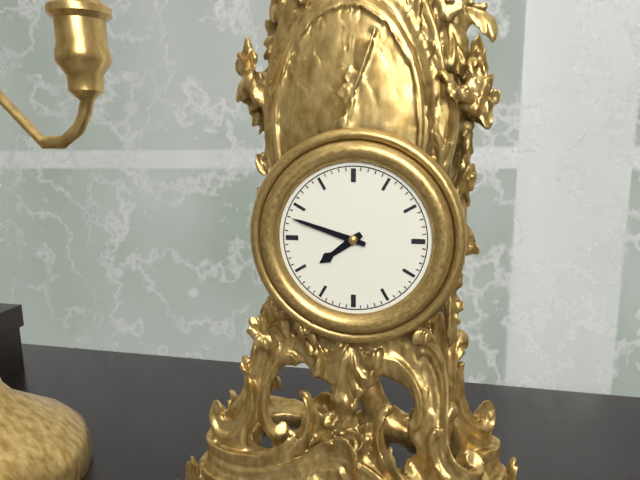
7:48
